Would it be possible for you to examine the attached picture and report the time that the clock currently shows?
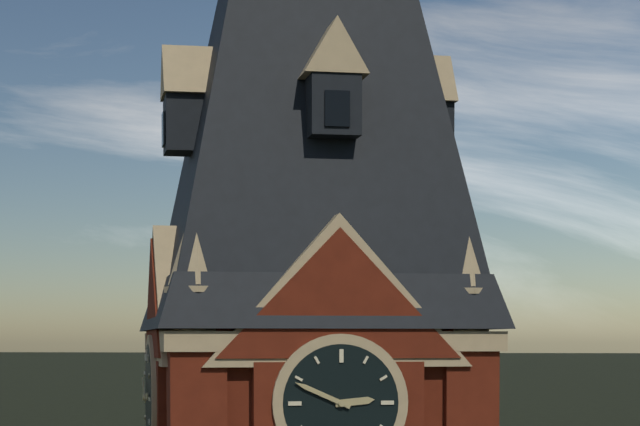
2:49
